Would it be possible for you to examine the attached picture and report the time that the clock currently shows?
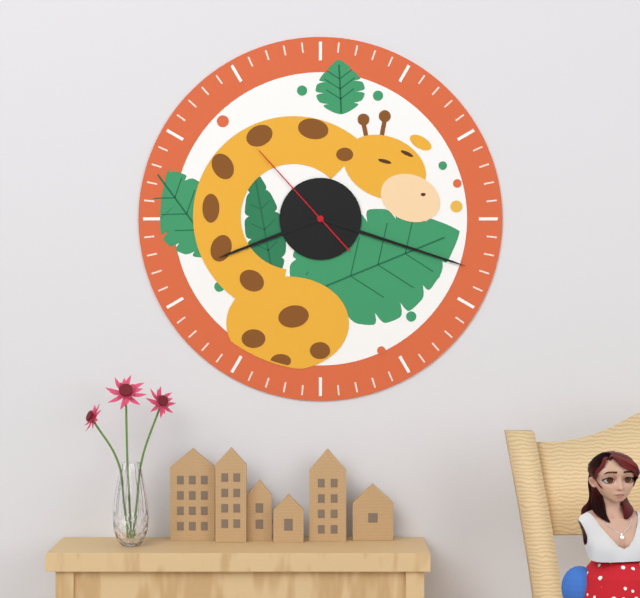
8:18:53
